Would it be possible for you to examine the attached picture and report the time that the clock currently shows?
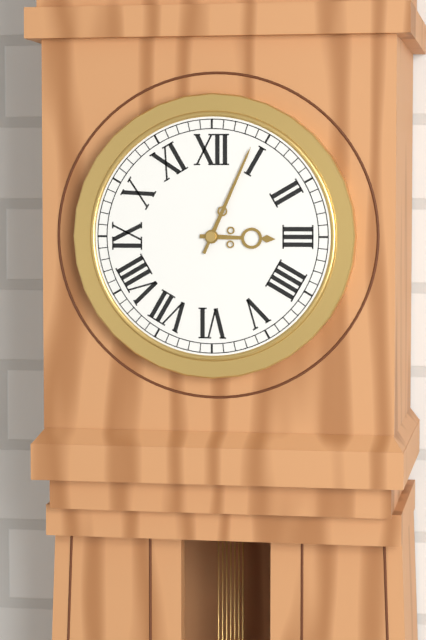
3:04
